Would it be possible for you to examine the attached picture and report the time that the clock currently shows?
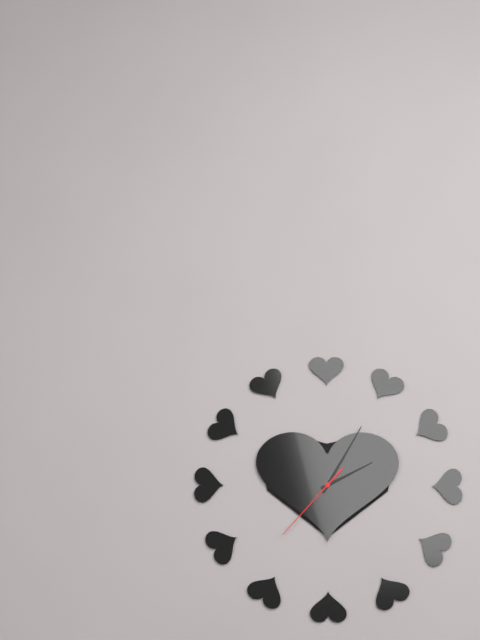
2:05:37
